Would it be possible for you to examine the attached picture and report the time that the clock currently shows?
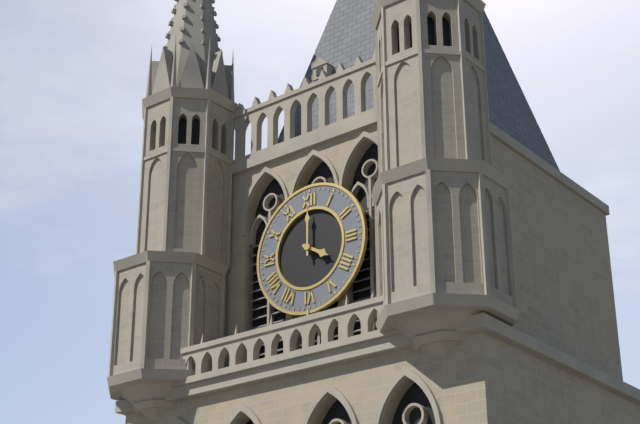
4:00
